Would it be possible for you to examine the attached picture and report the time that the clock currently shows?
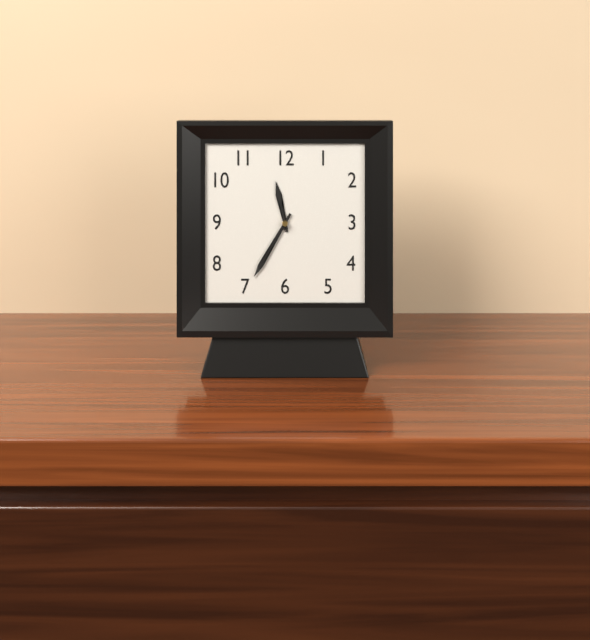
11:35
